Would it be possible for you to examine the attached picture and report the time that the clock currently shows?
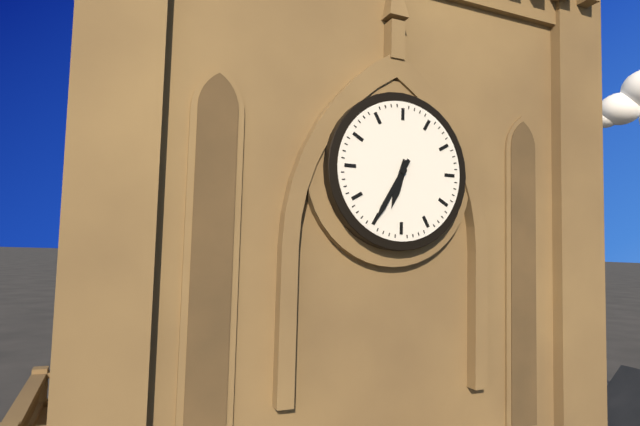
6:35
